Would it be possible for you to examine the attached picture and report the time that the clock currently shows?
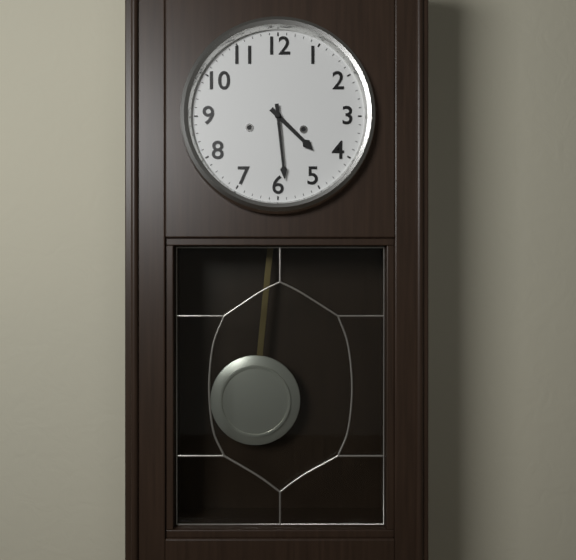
4:29
